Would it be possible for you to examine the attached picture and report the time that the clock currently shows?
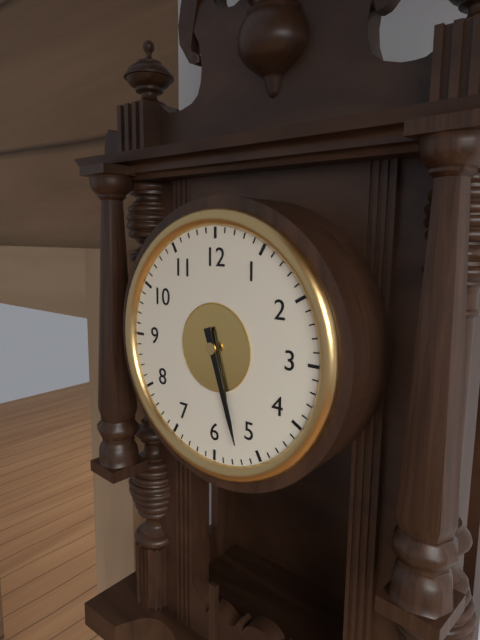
5:27
